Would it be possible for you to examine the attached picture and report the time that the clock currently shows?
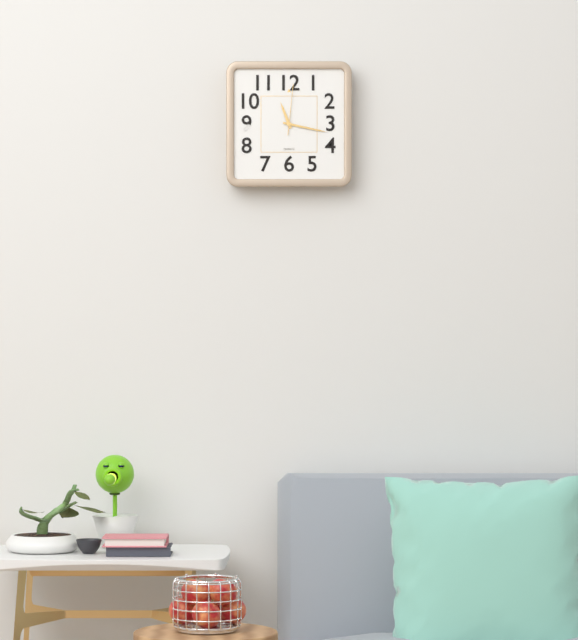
11:17:01
